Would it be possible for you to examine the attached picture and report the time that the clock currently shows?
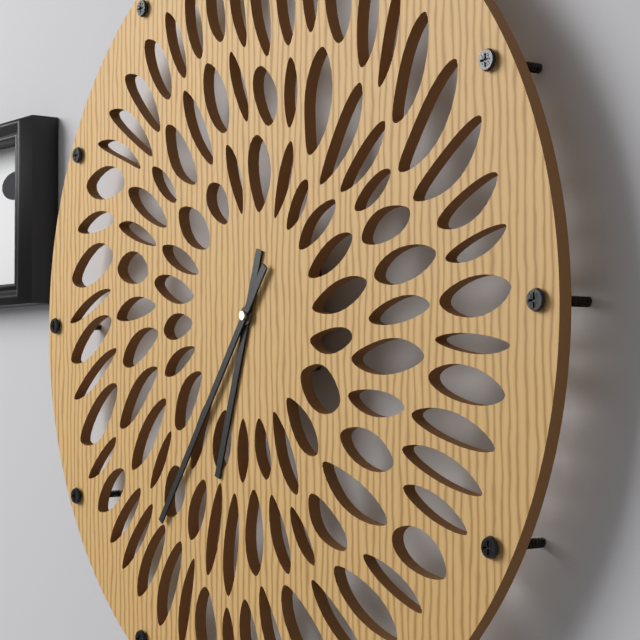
6:36
